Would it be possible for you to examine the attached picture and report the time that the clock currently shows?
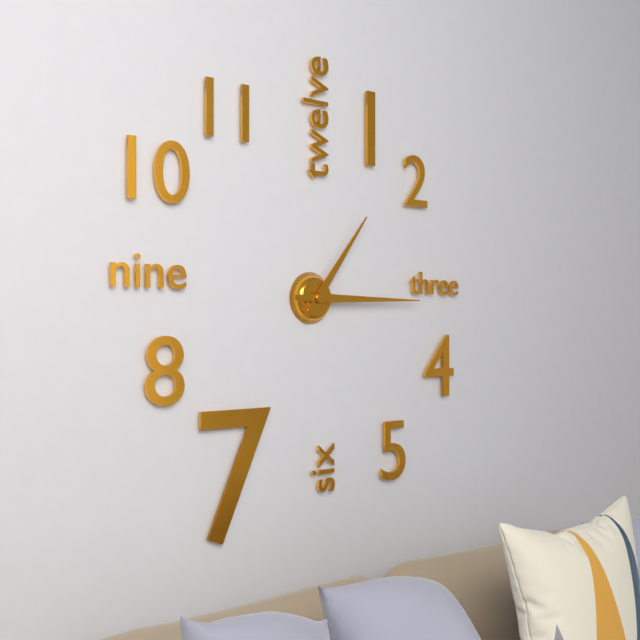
1:15
